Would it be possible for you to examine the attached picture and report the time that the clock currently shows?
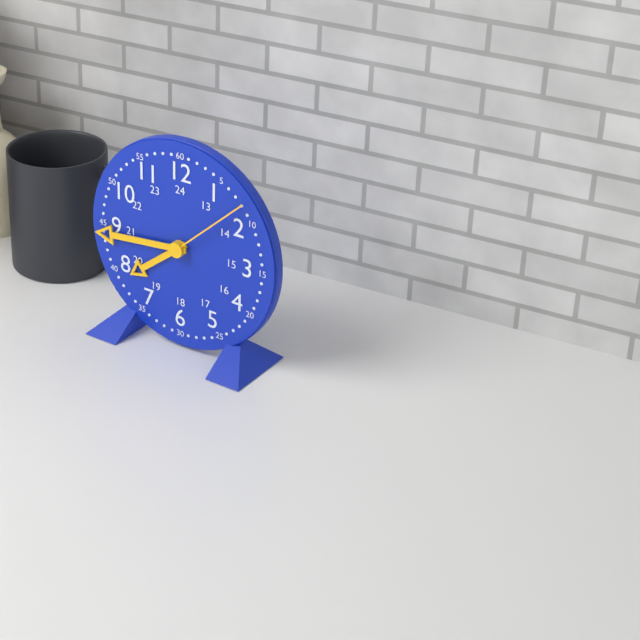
7:44:08
